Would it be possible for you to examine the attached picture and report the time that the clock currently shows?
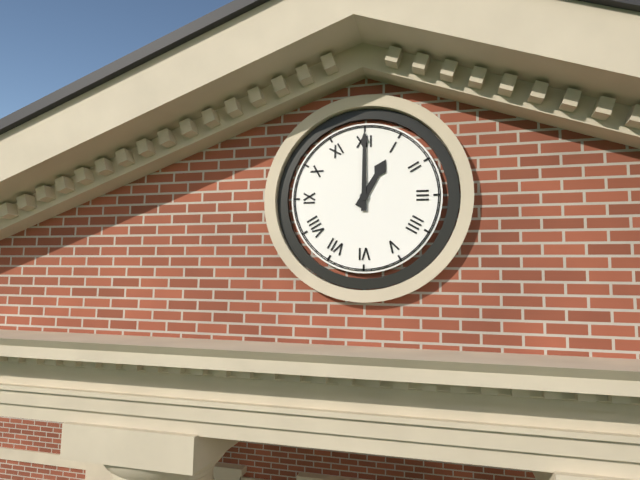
1:00
